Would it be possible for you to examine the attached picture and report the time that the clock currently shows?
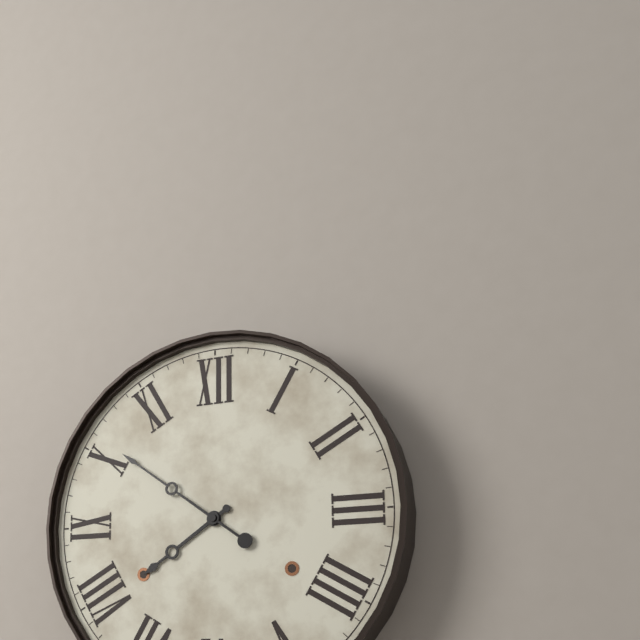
7:51
